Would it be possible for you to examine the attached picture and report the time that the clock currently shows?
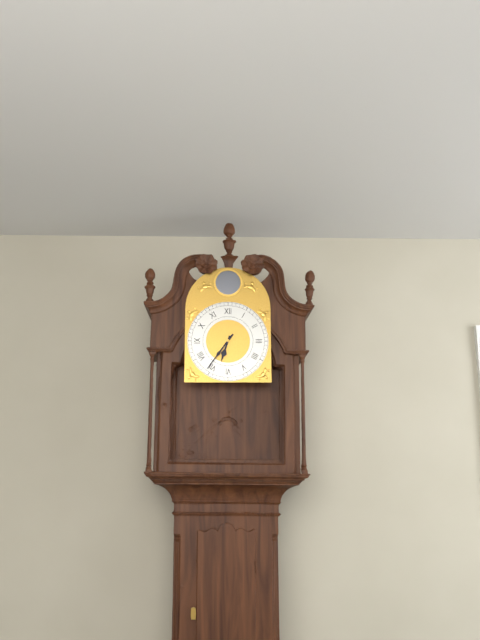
6:36
